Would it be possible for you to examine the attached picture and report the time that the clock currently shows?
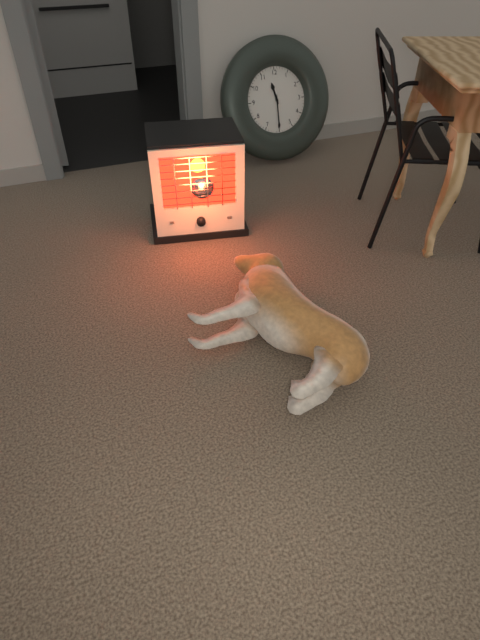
11:30
